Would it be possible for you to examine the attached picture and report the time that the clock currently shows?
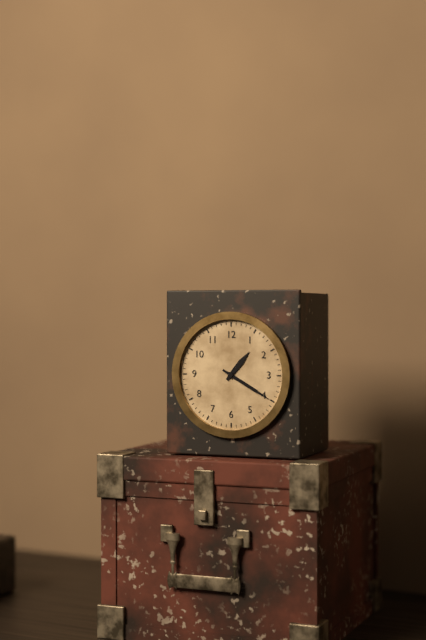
1:20
